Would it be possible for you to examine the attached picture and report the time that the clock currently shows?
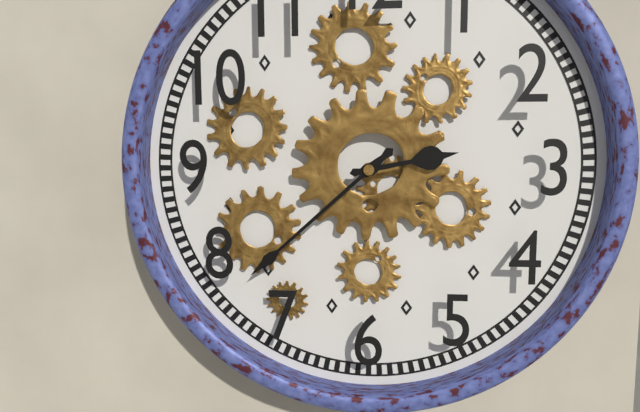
2:38
